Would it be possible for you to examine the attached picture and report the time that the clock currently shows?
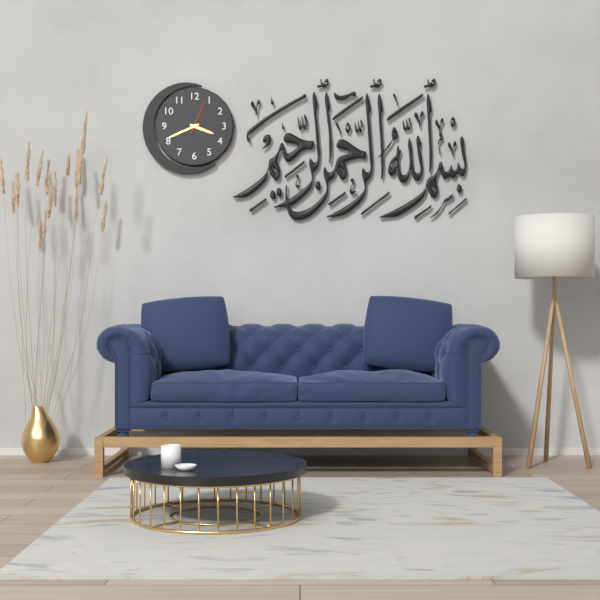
3:41
